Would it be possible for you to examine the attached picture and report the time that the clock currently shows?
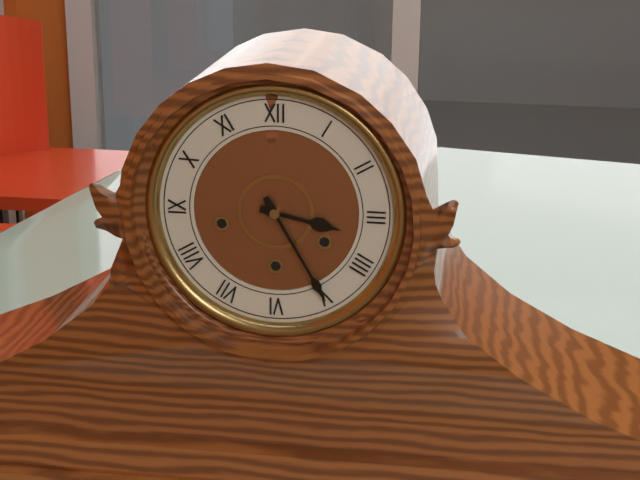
3:25
